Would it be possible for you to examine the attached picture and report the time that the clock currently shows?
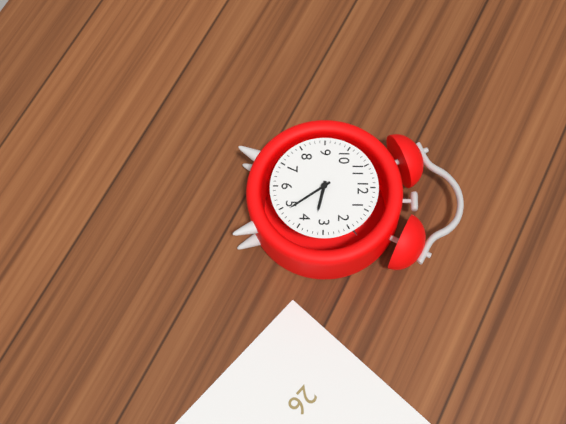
3:24
